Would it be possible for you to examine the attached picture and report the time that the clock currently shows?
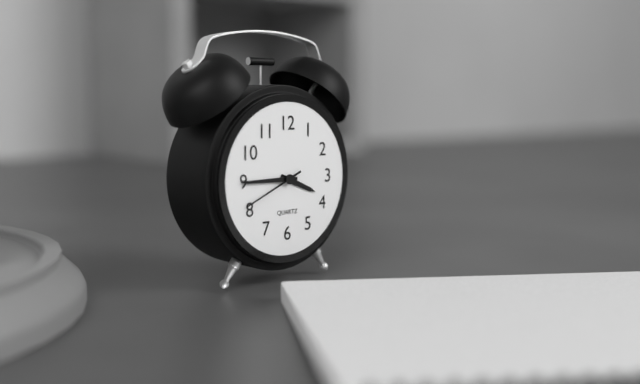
3:45:41
